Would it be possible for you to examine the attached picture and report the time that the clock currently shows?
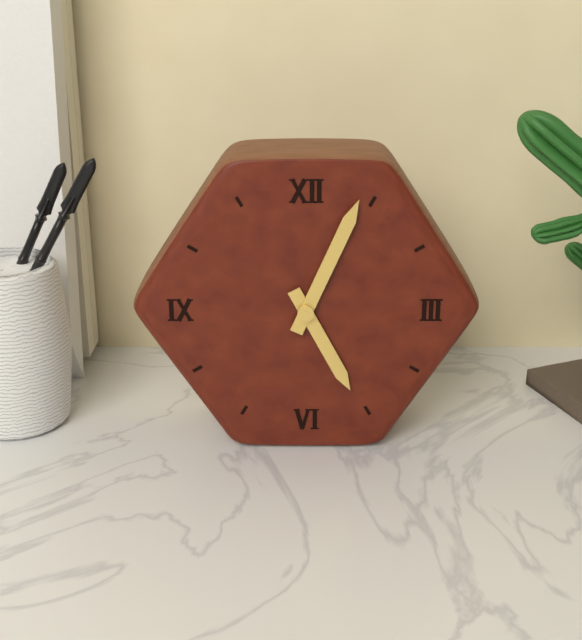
5:04
